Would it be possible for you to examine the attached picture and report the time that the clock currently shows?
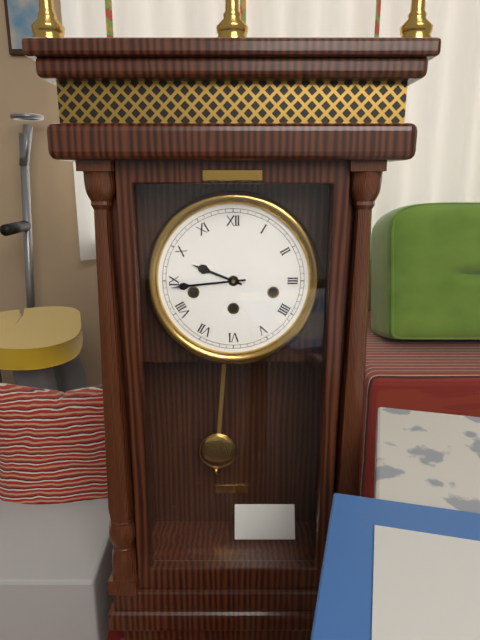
9:44
